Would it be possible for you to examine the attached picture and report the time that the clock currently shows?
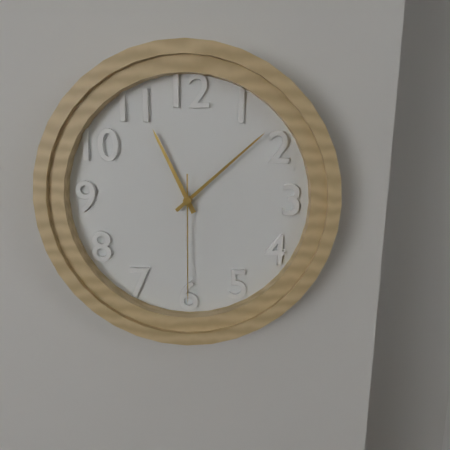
11:08:30
